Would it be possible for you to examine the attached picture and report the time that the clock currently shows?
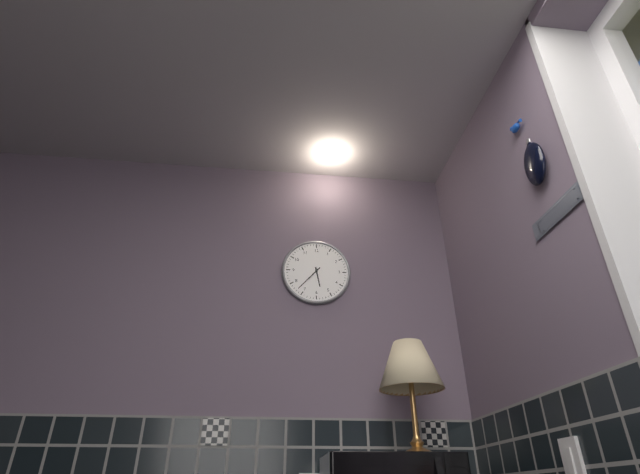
5:37
